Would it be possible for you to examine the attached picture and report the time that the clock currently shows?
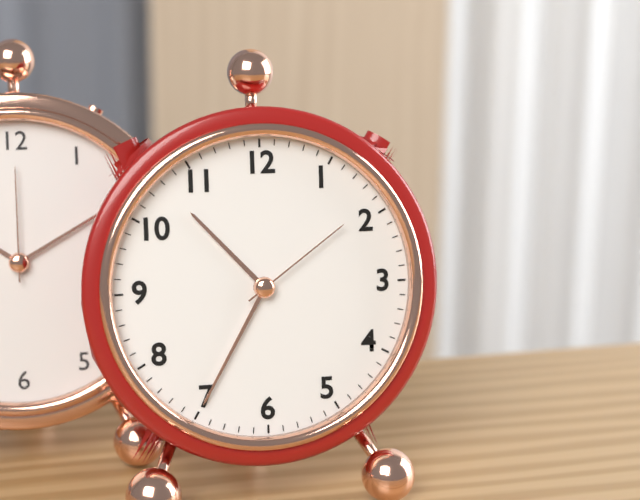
10:35:09
